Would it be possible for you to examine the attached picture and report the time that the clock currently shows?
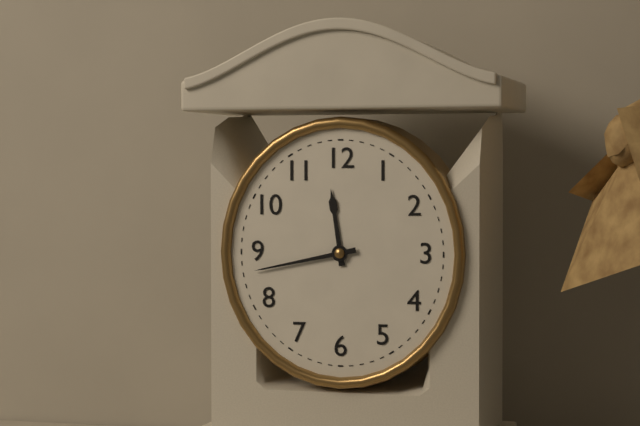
11:43
